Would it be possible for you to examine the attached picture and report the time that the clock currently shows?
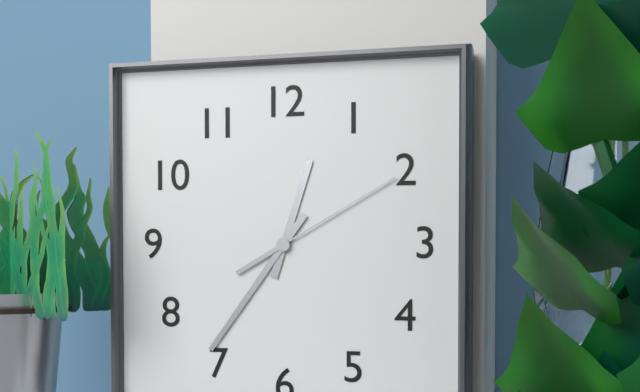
12:36:10
